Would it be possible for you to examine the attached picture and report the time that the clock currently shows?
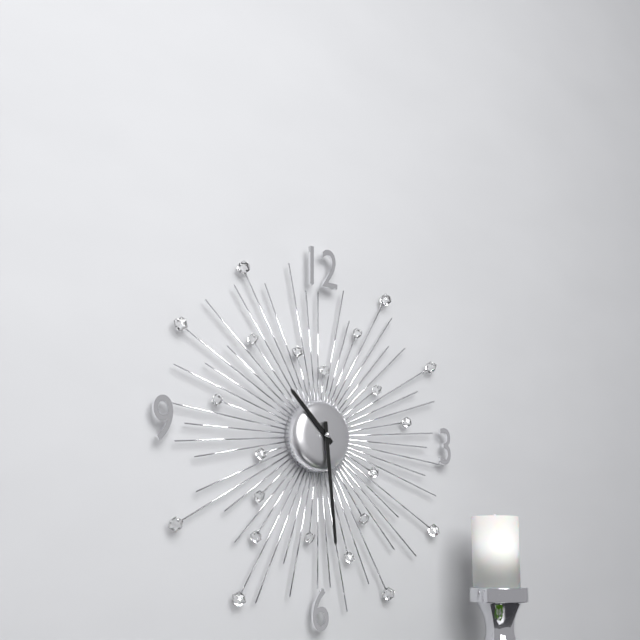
10:29
